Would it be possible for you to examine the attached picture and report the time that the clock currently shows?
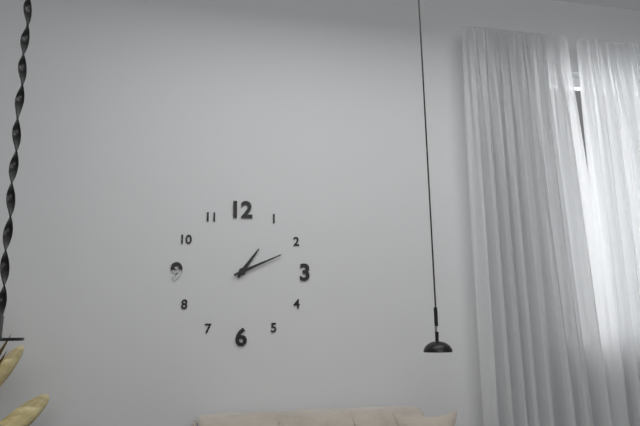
1:11
